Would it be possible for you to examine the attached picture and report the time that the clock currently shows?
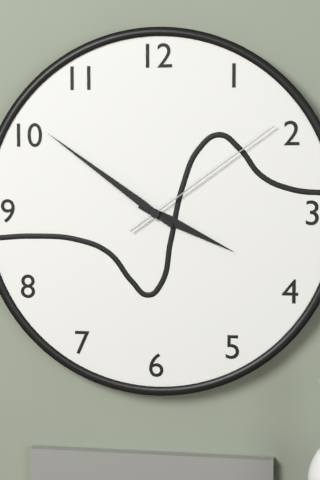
3:51:09
